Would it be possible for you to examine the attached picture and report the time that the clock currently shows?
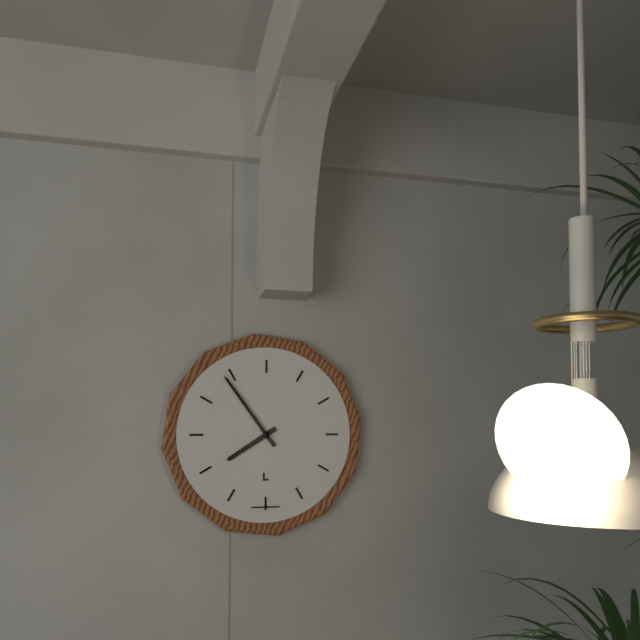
7:54
